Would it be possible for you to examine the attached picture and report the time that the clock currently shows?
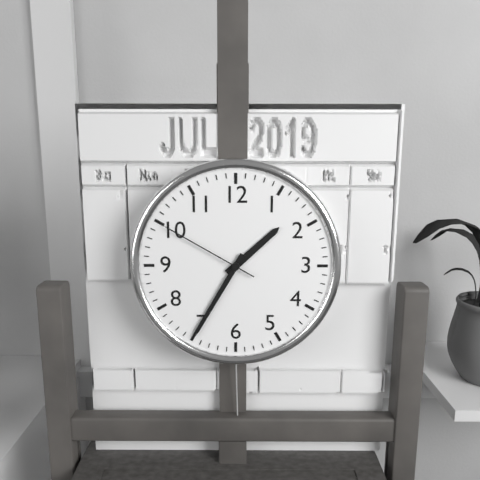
1:35:50
